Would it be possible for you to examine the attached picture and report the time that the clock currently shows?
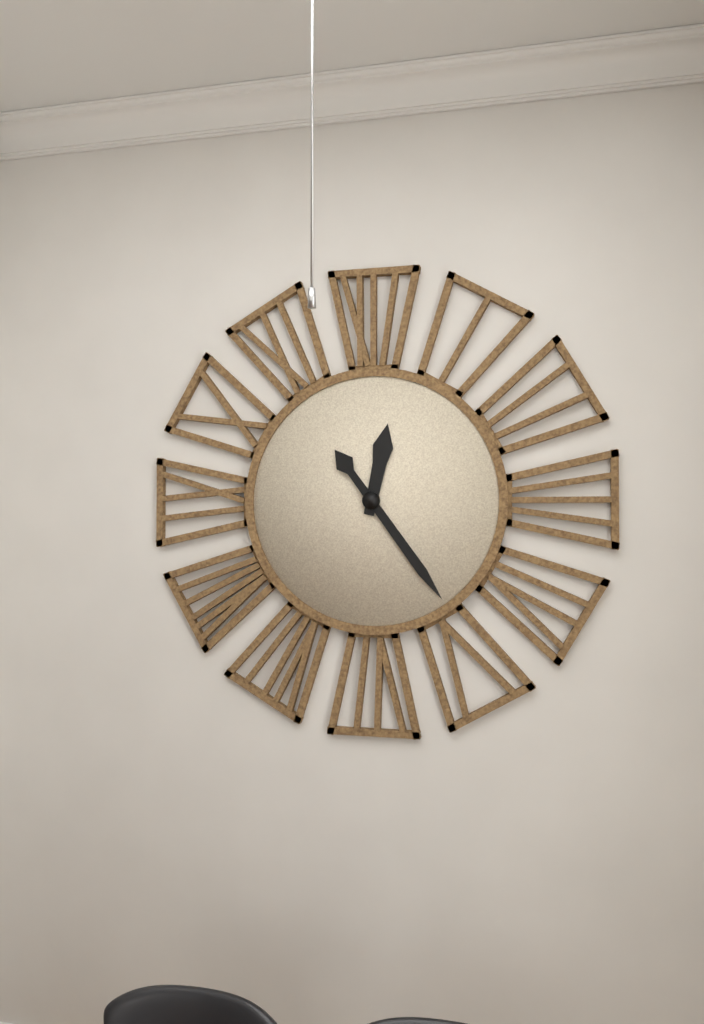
12:24
